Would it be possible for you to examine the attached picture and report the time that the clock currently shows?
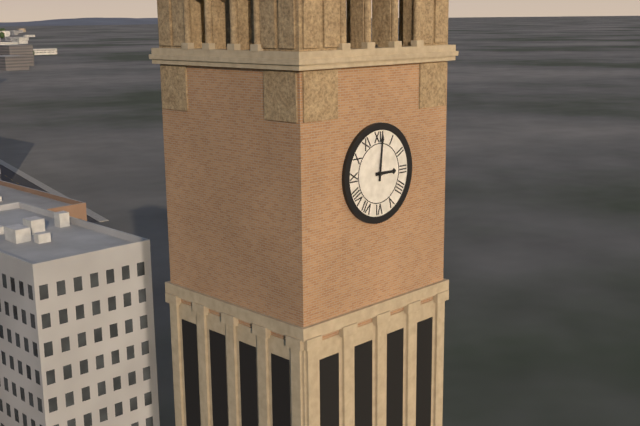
3:01
